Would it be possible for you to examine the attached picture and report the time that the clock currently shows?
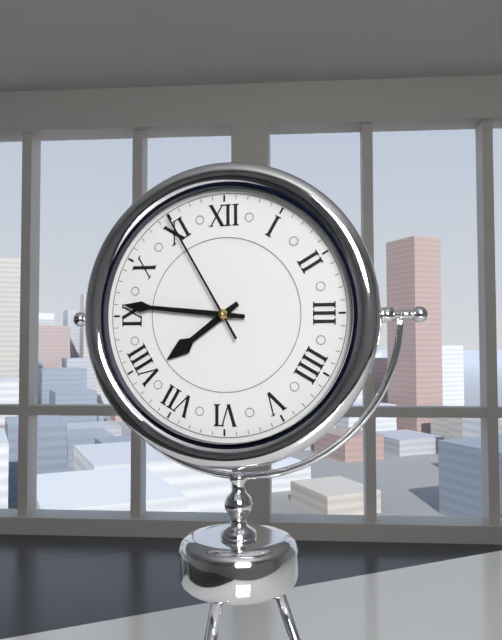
7:46:55
